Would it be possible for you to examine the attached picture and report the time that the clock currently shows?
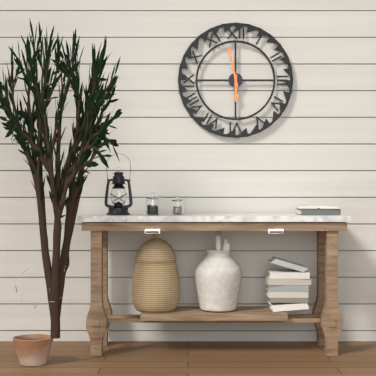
5:58
